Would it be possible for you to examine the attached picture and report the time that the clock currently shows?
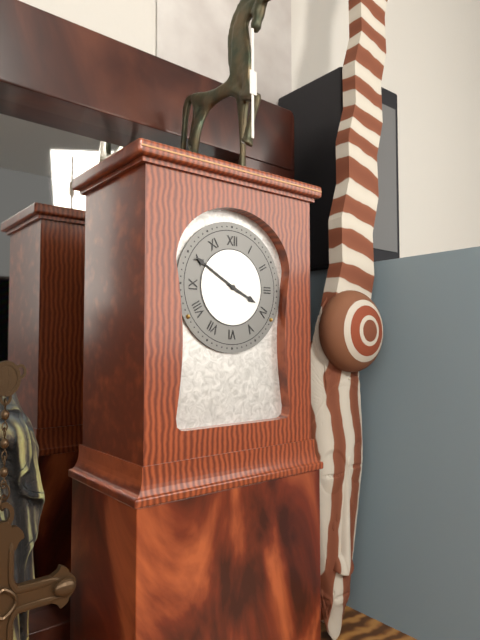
3:50
